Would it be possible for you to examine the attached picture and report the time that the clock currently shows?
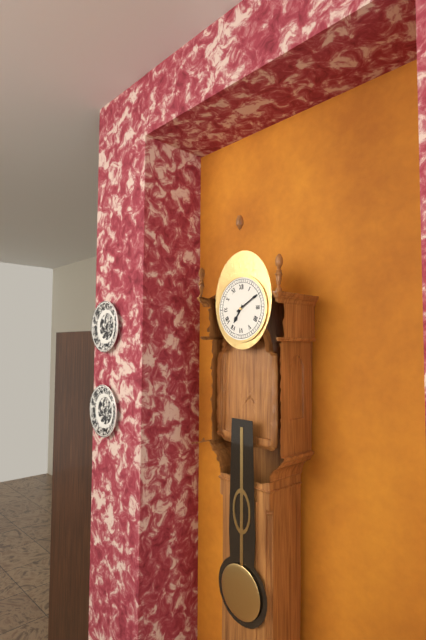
7:10
